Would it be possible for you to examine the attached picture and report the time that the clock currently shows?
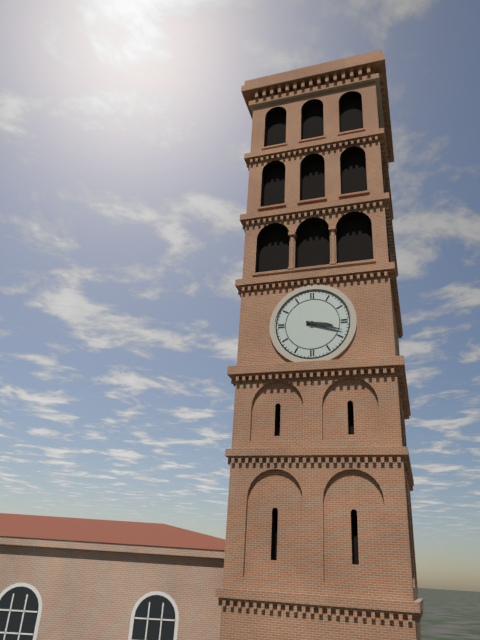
3:18
